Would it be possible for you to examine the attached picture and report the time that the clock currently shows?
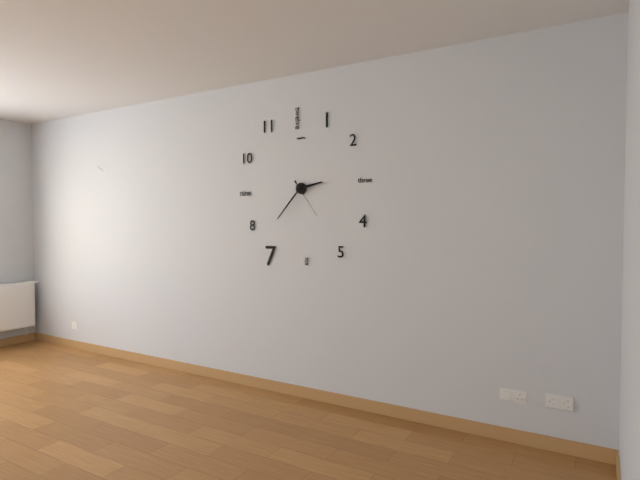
2:37
